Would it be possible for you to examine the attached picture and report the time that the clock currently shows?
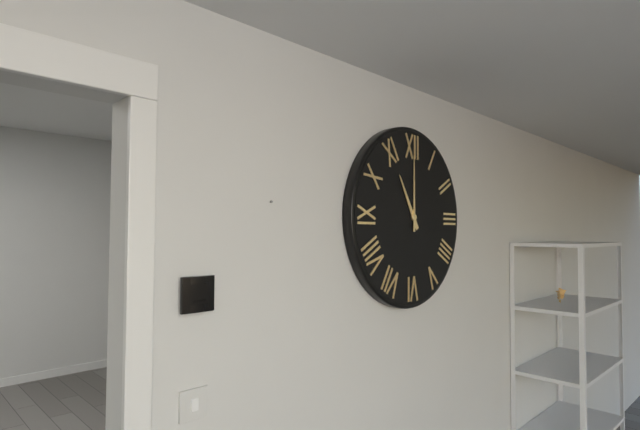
11:00
